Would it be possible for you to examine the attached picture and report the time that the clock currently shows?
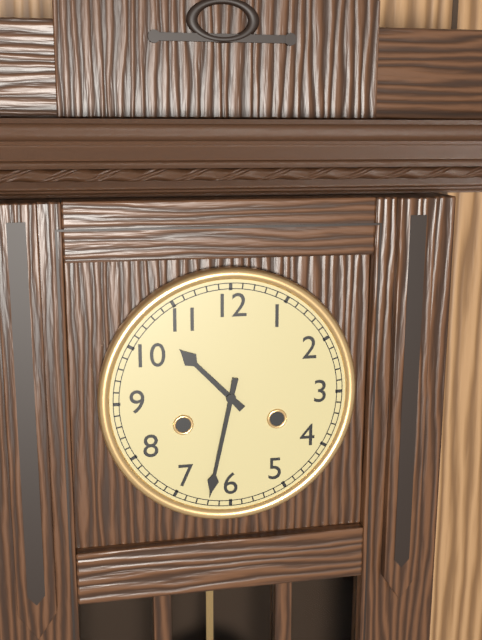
10:32
